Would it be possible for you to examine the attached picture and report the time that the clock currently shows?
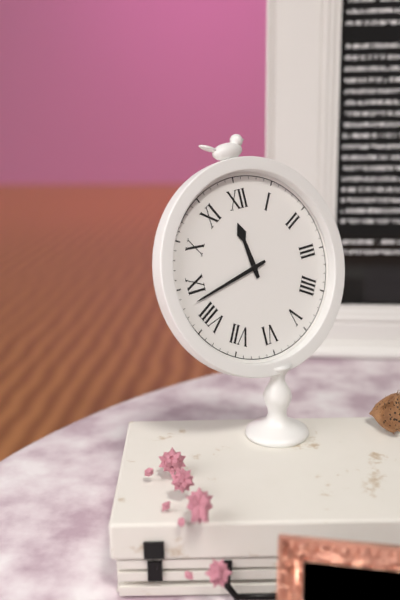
11:43
